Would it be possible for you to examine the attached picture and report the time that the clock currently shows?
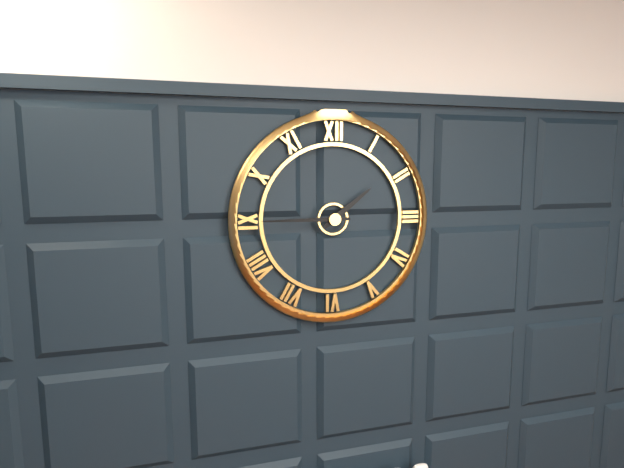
1:45
